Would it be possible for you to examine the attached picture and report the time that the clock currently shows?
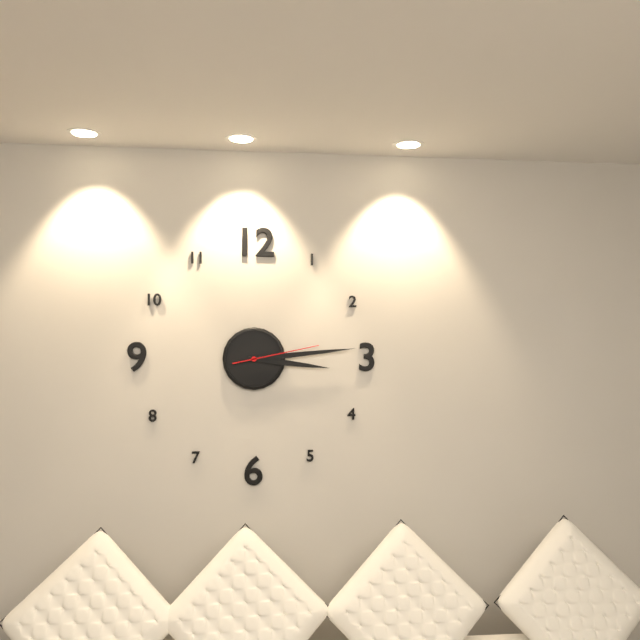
3:14:13
